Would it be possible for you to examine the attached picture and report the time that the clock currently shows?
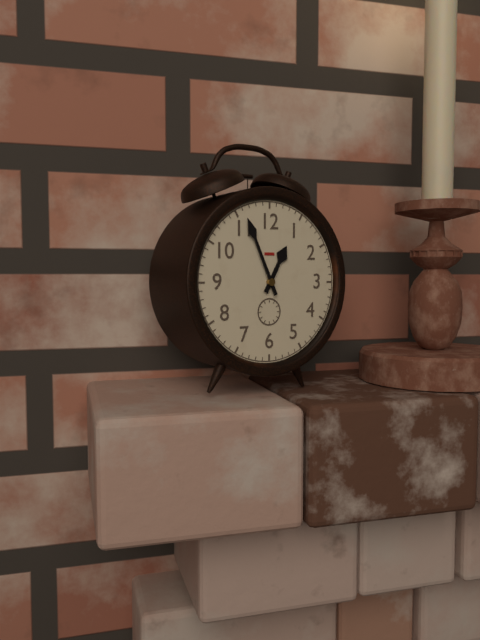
12:56
